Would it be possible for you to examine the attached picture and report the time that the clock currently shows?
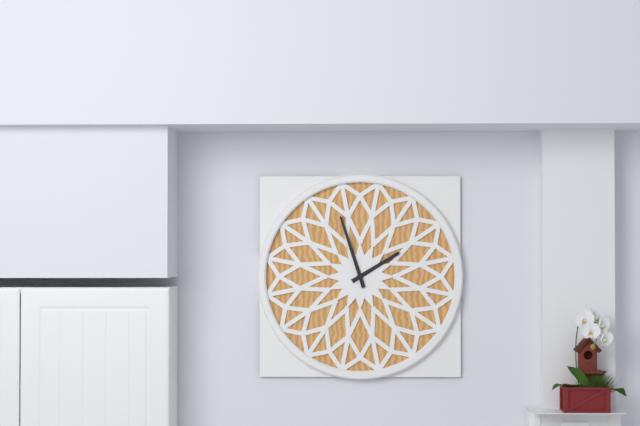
1:57
